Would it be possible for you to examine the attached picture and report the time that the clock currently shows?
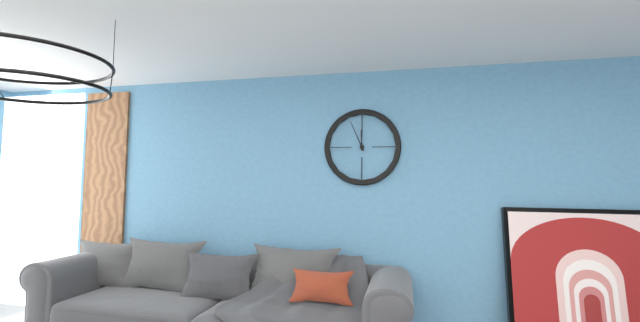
11:56
